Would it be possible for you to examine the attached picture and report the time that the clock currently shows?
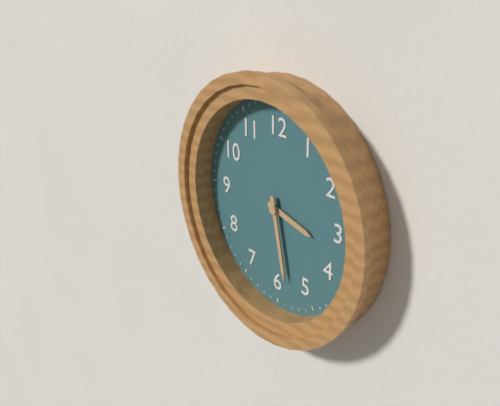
3:28
